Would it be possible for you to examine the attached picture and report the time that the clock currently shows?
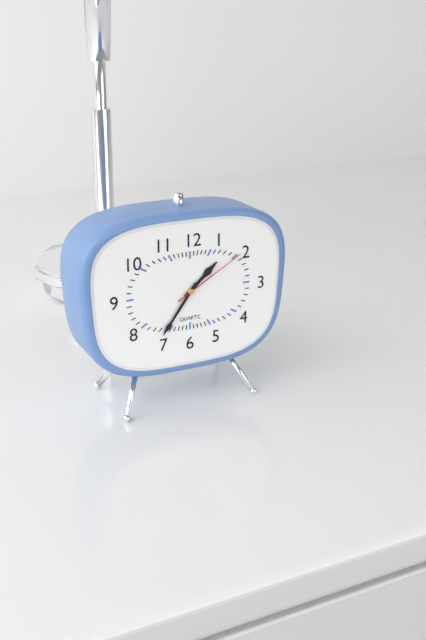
1:36:10
